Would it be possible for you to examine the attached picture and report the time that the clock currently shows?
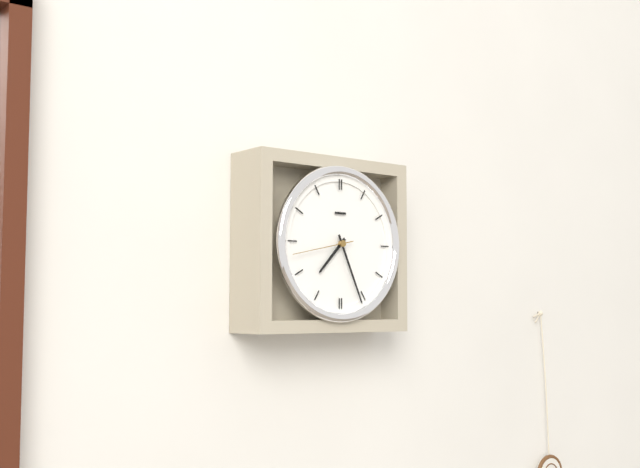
7:26:43
